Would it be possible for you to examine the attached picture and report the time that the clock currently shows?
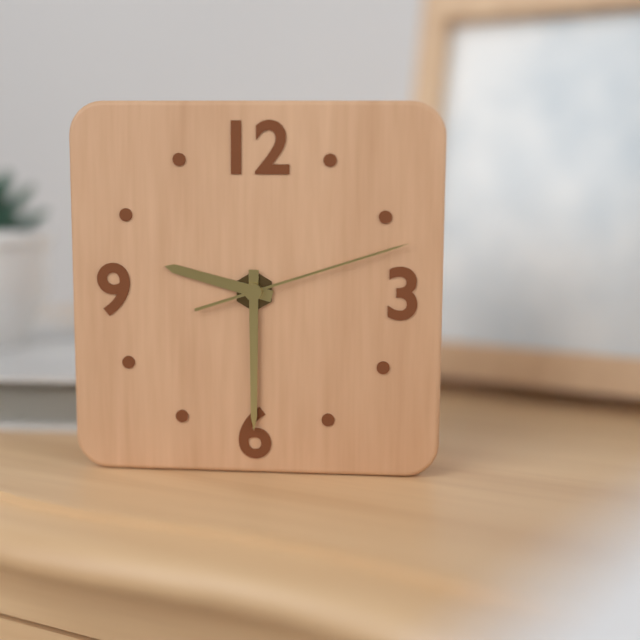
9:30:12
